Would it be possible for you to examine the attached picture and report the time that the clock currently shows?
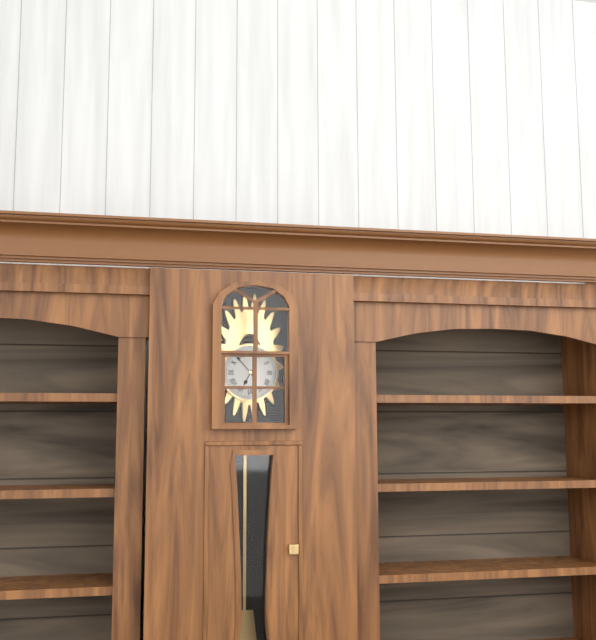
6:53
